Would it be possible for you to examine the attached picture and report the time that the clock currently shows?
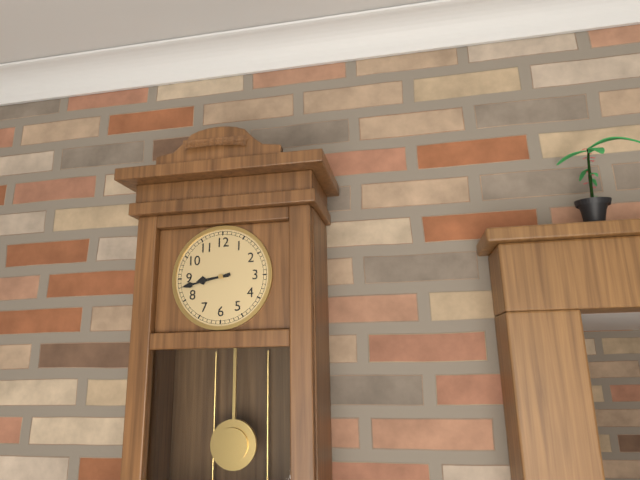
8:43
